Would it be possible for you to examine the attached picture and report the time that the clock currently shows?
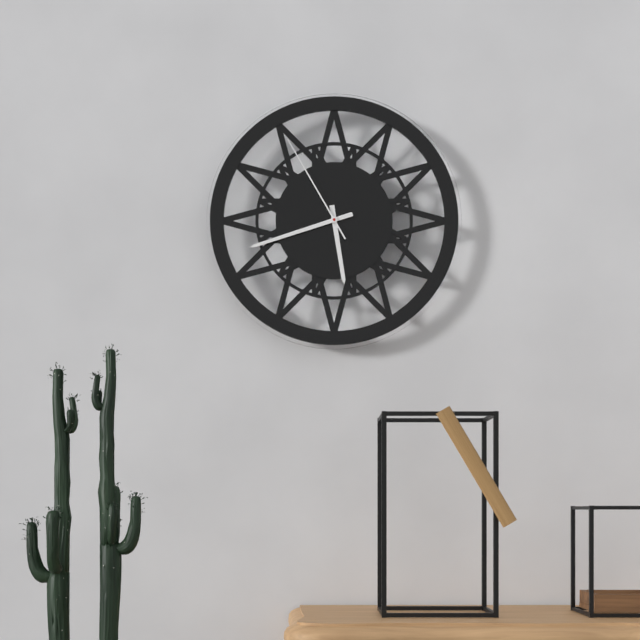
5:42:55
